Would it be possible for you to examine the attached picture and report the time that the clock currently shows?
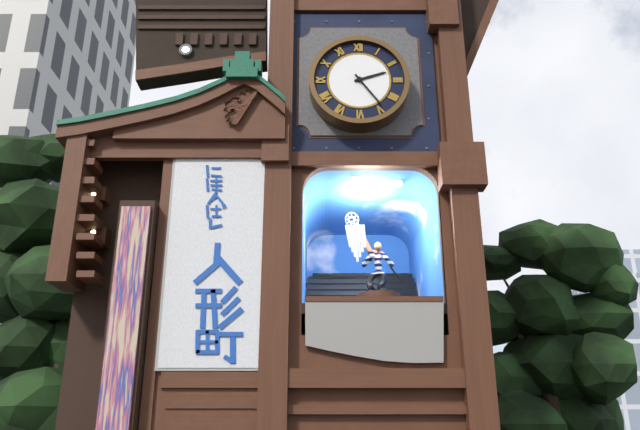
2:24
